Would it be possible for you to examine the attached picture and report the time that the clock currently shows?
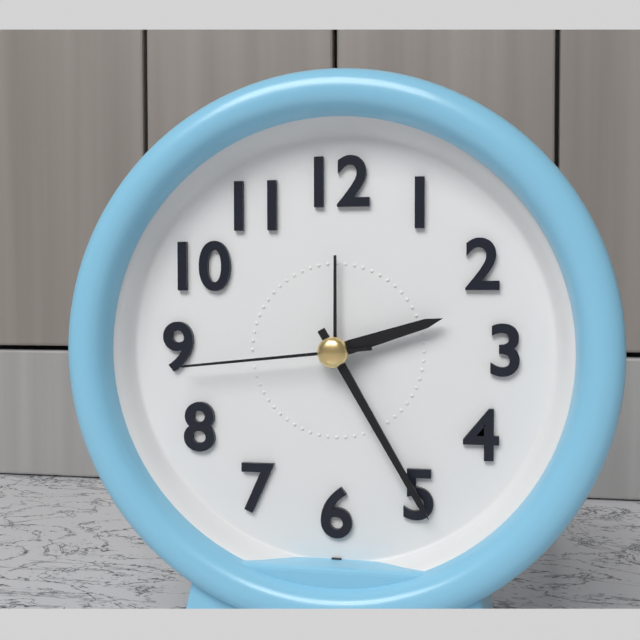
2:25:44
